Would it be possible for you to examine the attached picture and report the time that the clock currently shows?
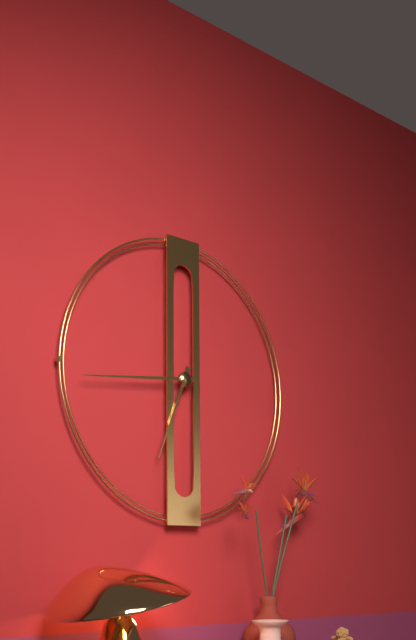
6:44
